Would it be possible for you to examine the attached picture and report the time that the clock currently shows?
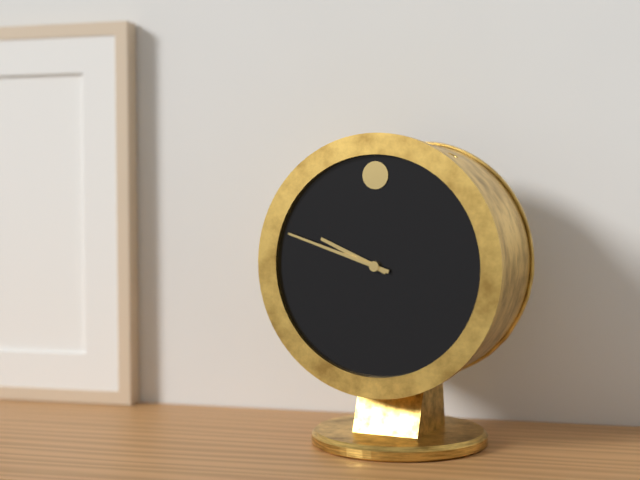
9:48
